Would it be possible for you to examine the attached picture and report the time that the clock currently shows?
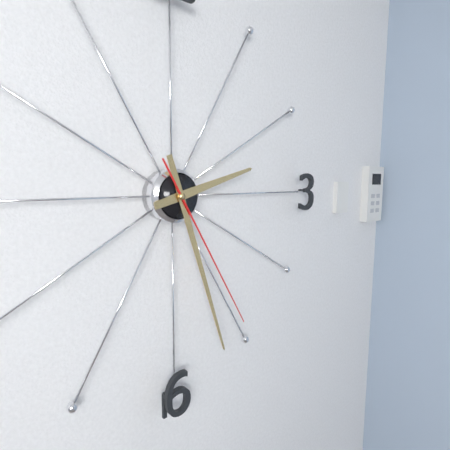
2:27:25
